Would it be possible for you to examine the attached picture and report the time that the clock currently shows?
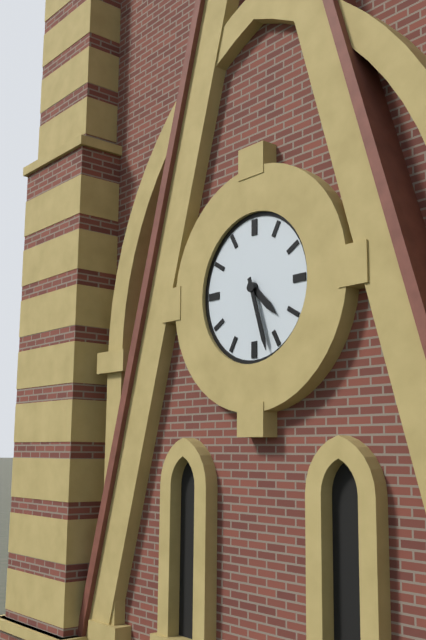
4:27
